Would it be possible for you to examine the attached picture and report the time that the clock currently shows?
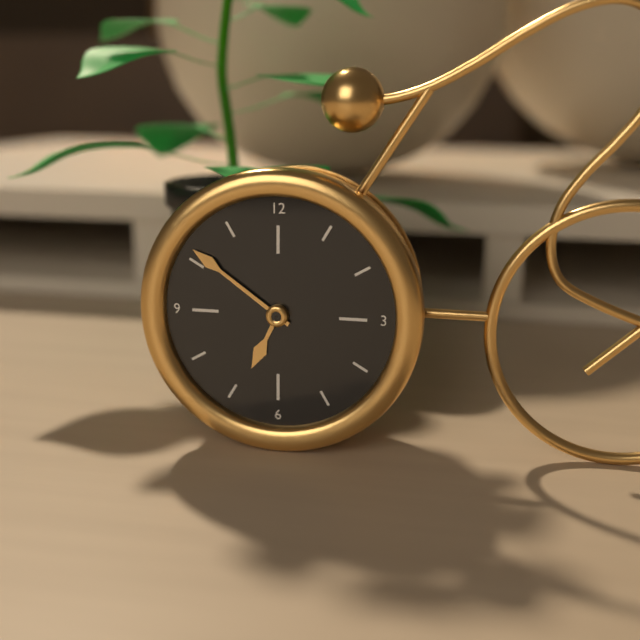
6:51
